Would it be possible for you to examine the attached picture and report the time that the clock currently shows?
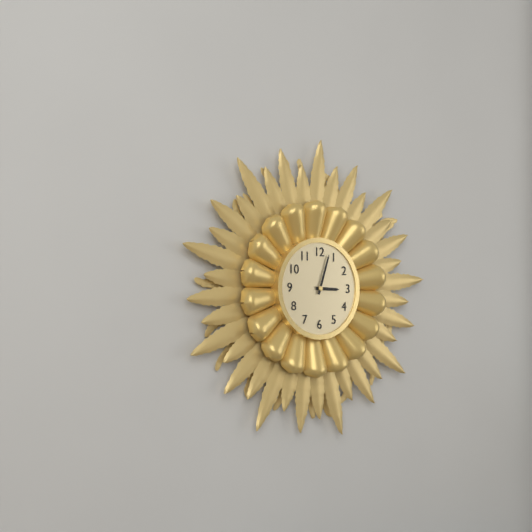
3:03
